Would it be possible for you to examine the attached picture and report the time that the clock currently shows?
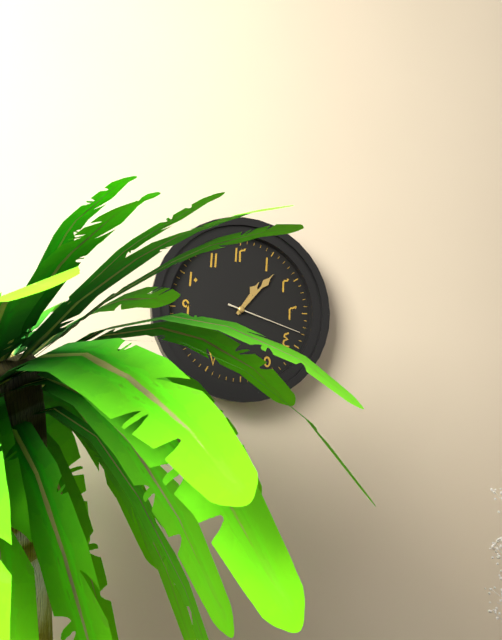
1:07:18
